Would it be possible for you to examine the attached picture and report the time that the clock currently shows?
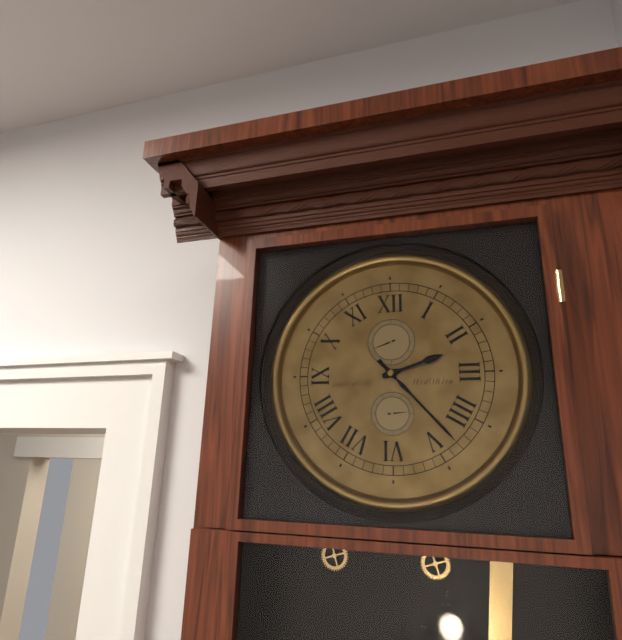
2:23
